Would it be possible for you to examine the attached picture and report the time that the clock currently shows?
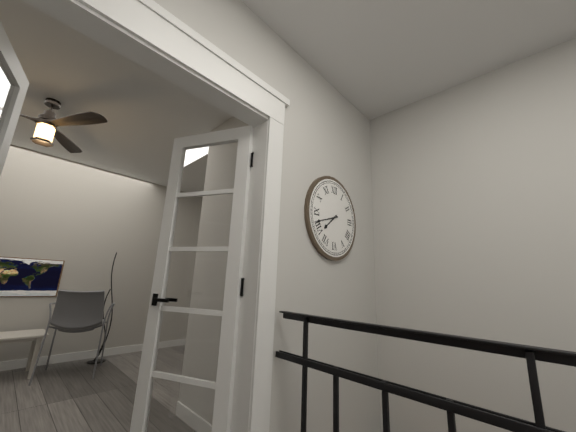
7:42
